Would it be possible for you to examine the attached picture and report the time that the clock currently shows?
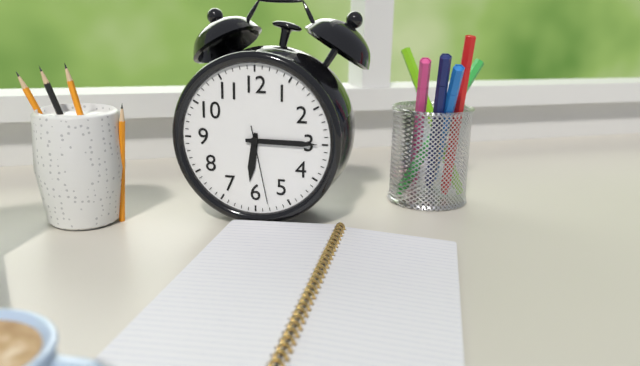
6:15:28
